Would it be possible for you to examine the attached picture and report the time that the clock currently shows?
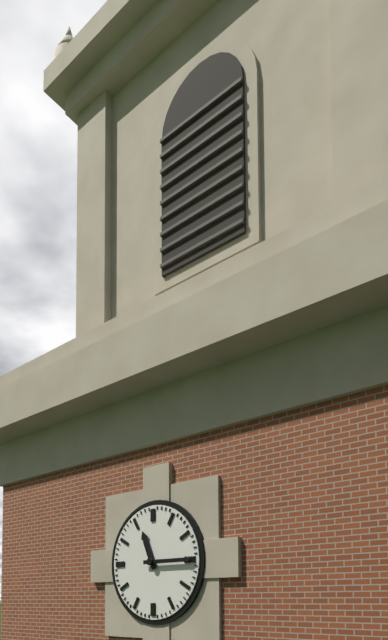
11:15
